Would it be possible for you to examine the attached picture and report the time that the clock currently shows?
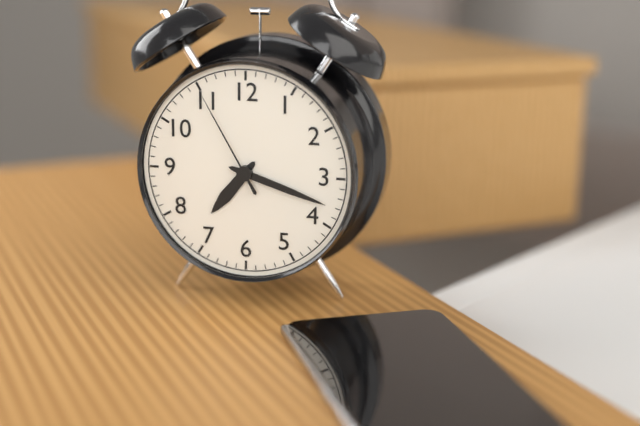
7:18:55
